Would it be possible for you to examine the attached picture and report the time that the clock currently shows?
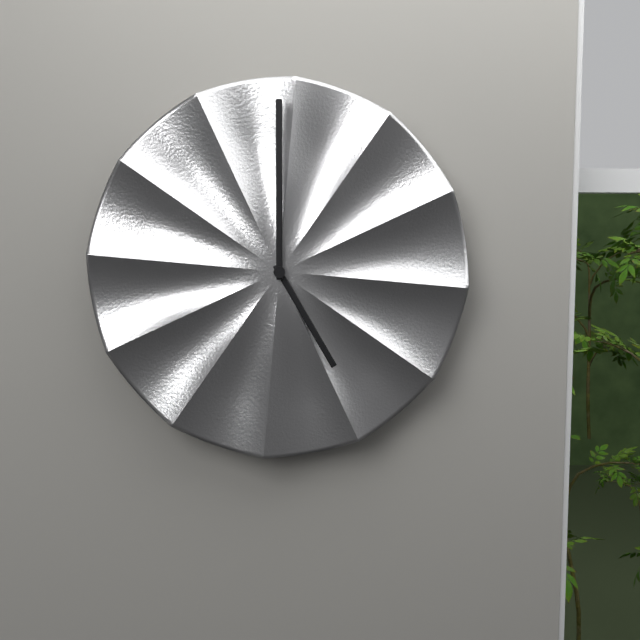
5:00
